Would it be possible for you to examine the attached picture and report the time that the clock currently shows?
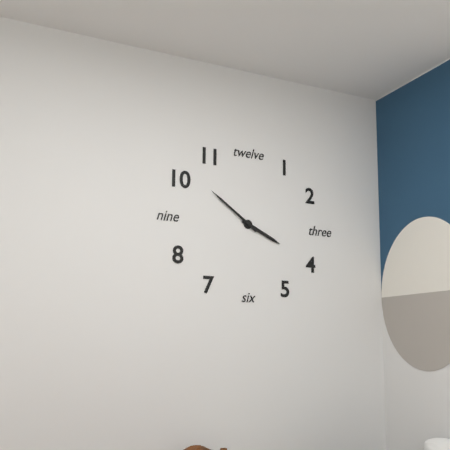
3:51
